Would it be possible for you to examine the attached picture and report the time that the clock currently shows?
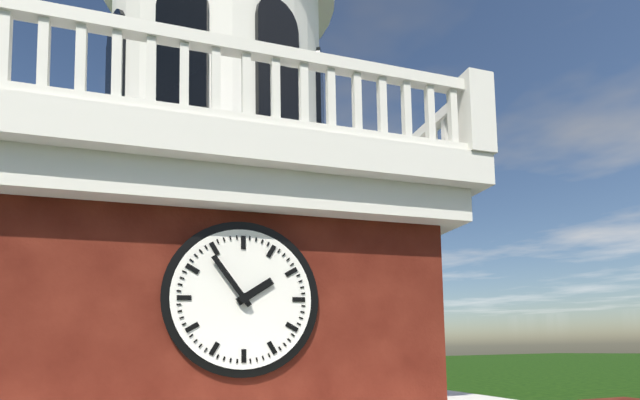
1:54
